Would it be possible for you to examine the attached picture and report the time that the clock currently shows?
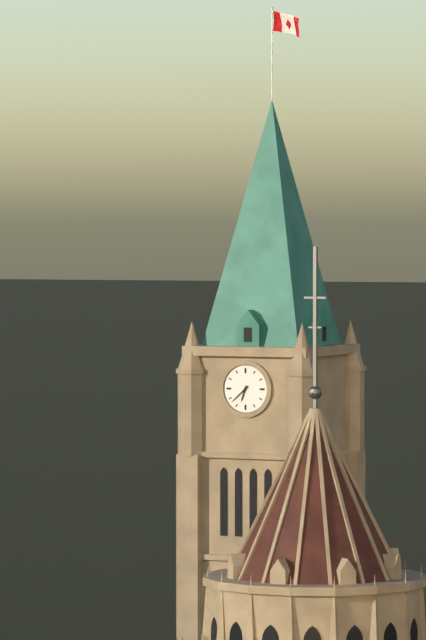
6:38
